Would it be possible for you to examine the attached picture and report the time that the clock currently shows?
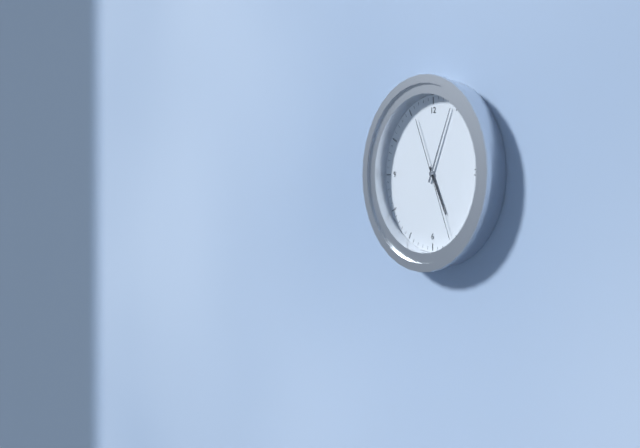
5:04:26
